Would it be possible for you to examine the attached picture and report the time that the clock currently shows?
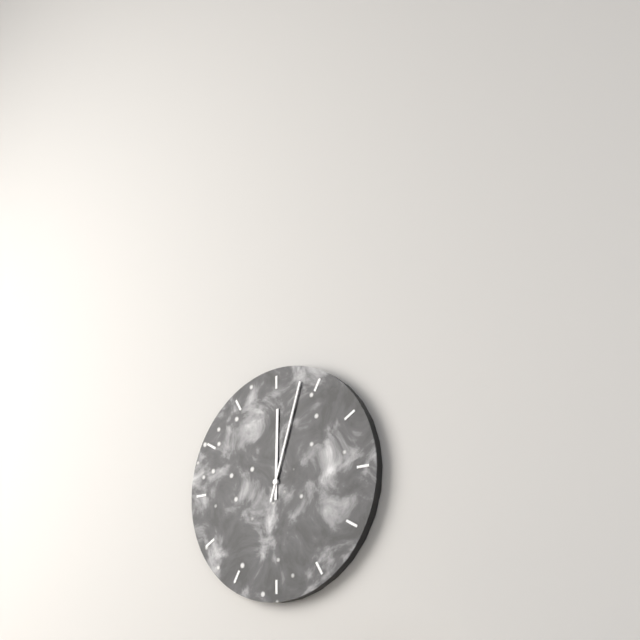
12:03
